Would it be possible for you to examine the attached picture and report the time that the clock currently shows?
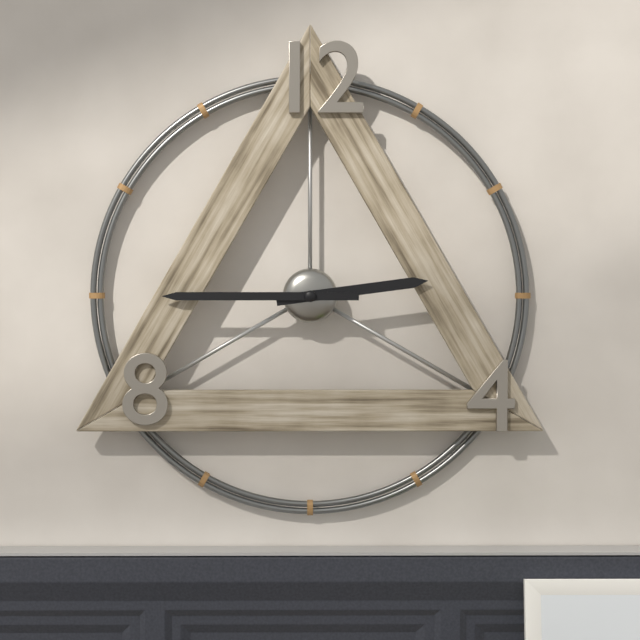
2:45
